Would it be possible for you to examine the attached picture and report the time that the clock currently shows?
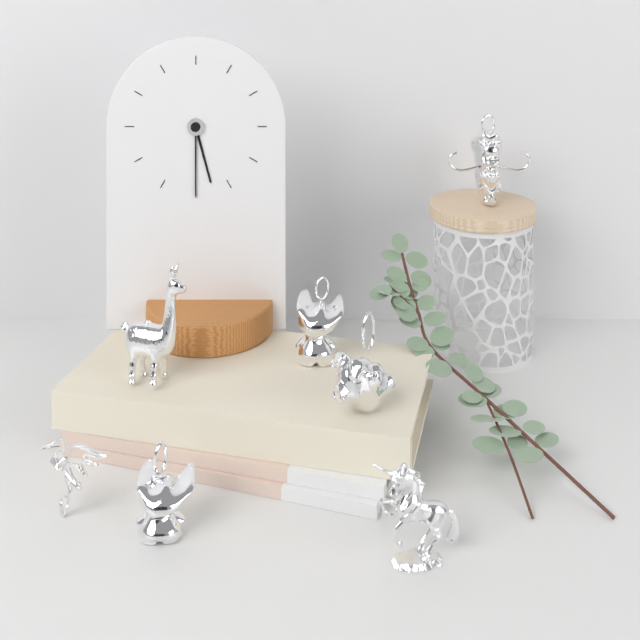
5:30
